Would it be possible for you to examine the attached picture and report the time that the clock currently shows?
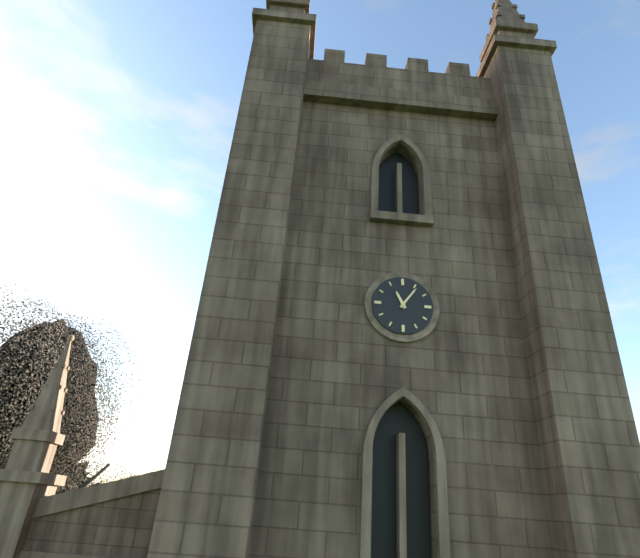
11:06
